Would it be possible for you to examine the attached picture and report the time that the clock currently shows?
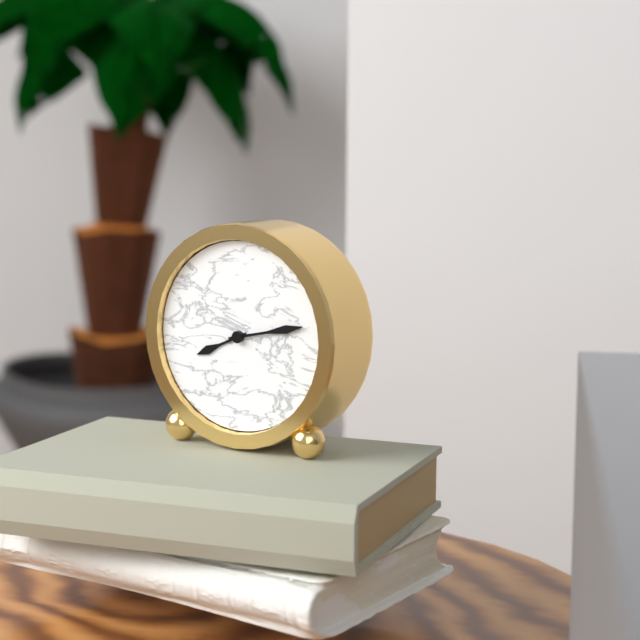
8:13
